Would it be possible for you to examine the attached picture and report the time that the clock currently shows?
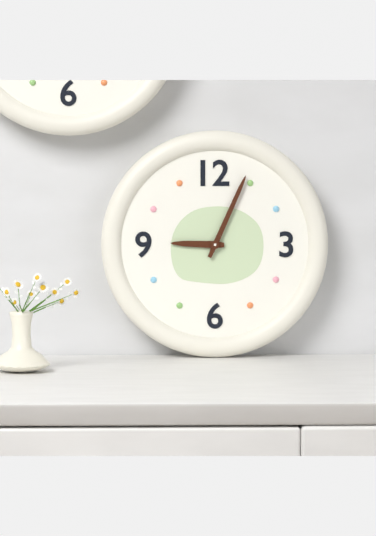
9:04
